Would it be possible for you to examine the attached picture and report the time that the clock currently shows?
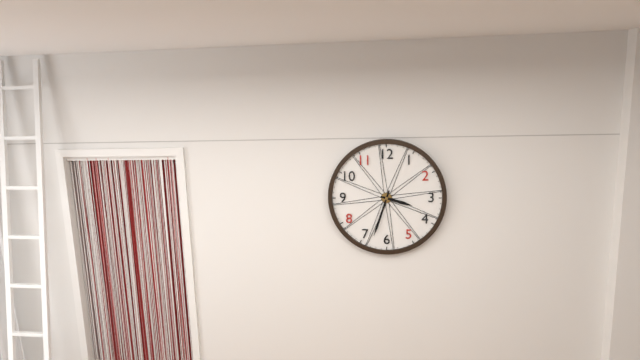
3:33
